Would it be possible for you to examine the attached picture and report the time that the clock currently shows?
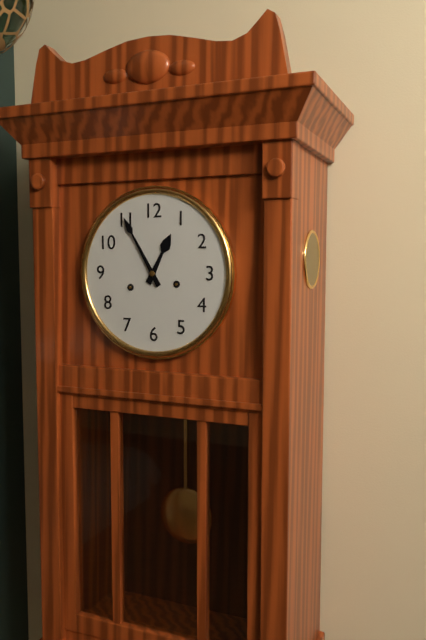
12:55
